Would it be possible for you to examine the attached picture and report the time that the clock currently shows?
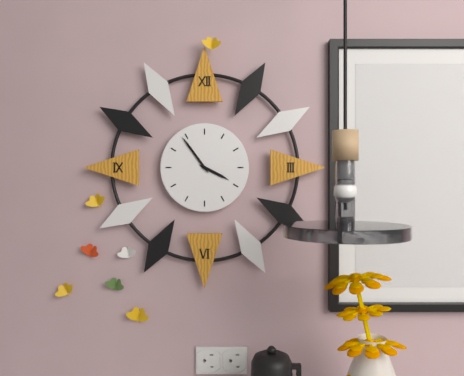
3:54
